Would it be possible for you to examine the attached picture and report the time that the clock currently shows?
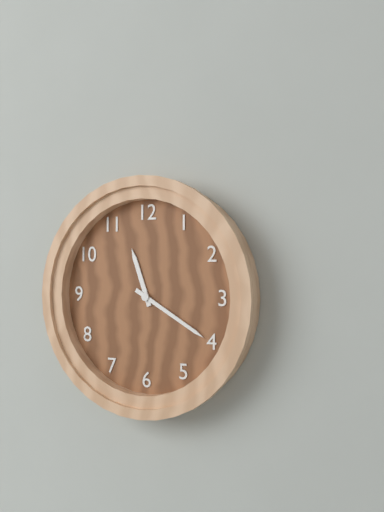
11:20
